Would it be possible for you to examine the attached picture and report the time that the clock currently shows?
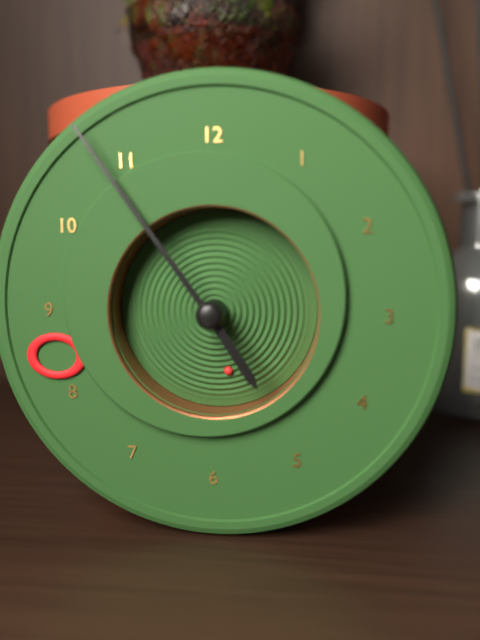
4:54:28
